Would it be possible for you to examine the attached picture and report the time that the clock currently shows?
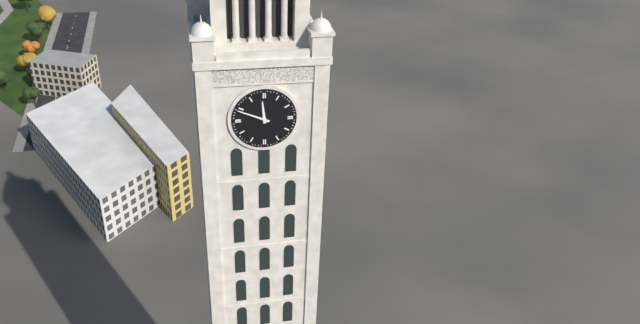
11:49
